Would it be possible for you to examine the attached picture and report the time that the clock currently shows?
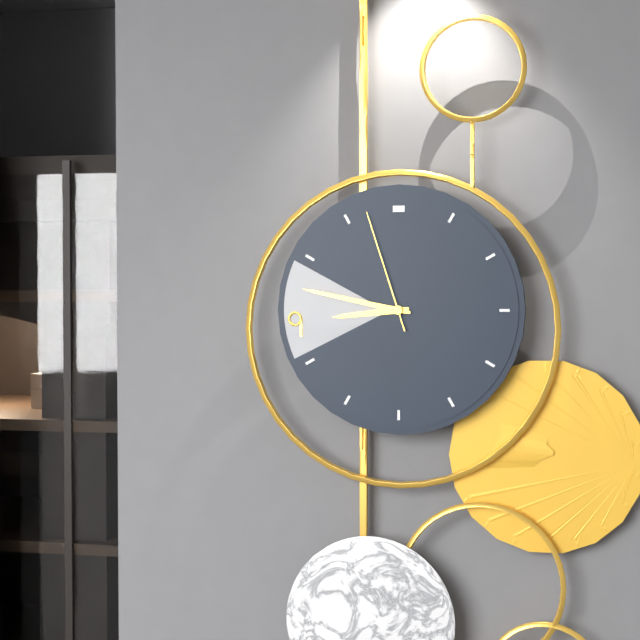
8:47:57
